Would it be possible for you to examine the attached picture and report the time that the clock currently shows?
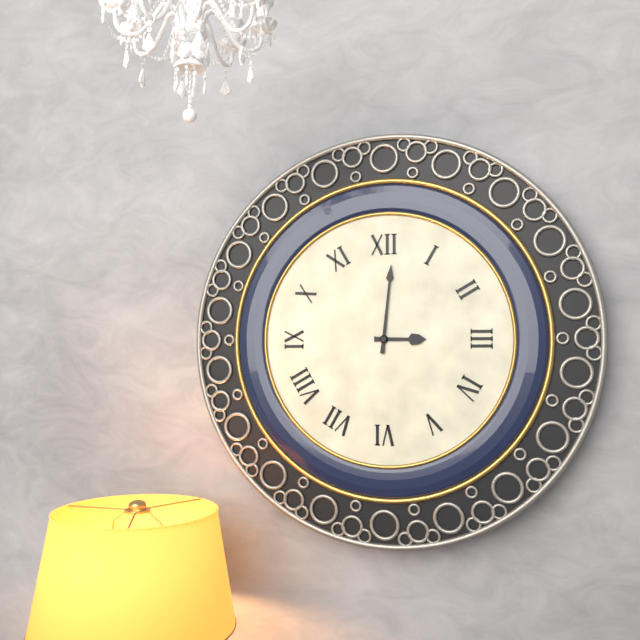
3:01
